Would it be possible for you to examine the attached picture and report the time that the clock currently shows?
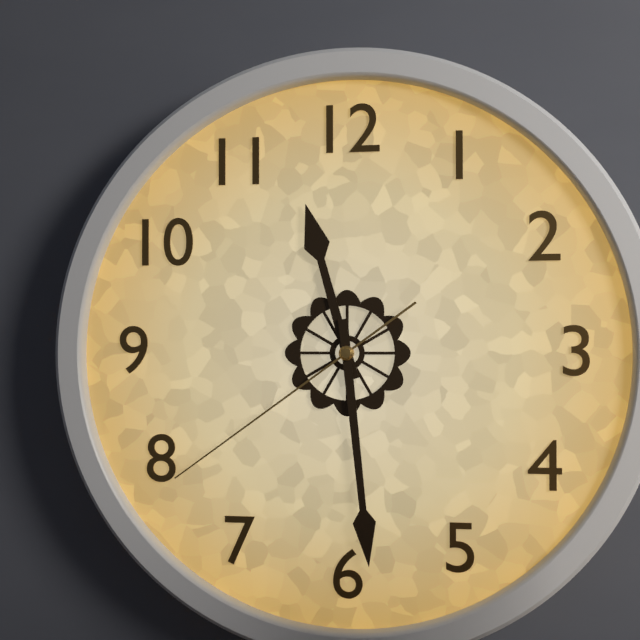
11:29:39
